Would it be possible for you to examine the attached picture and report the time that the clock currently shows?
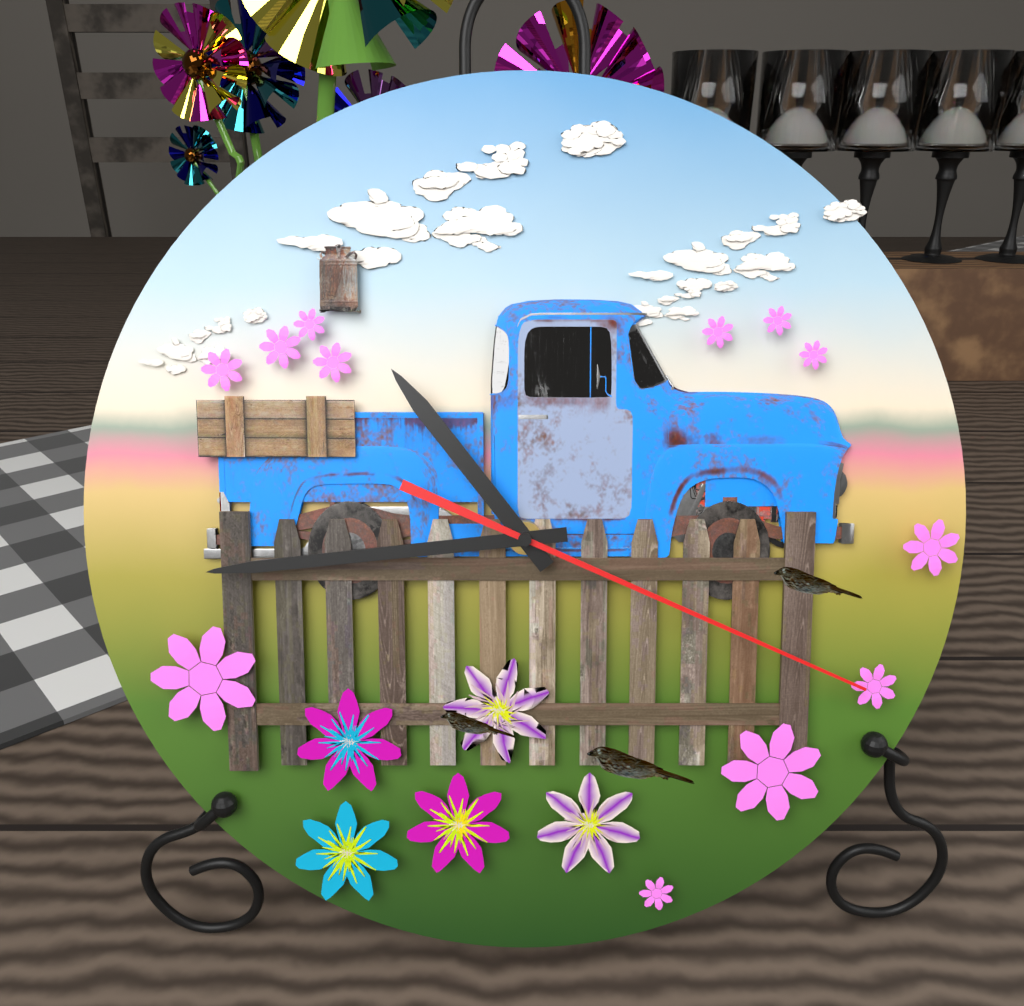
10:44:19
